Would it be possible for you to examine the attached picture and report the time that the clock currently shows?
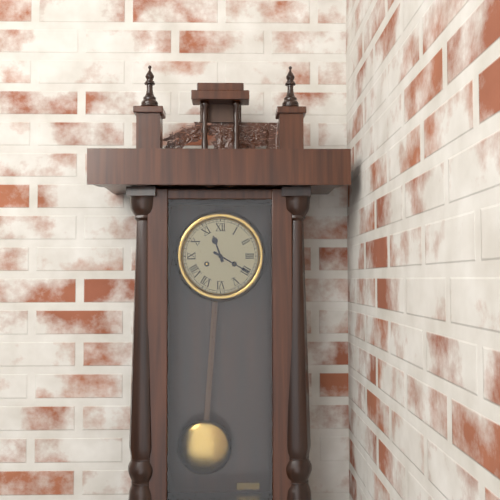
11:20
